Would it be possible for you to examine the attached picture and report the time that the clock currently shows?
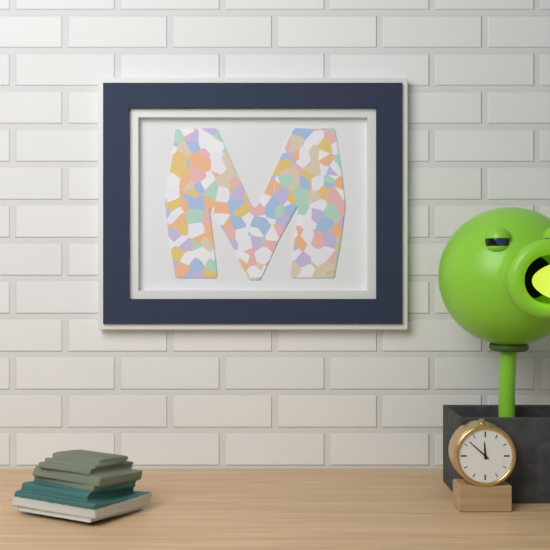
11:52
